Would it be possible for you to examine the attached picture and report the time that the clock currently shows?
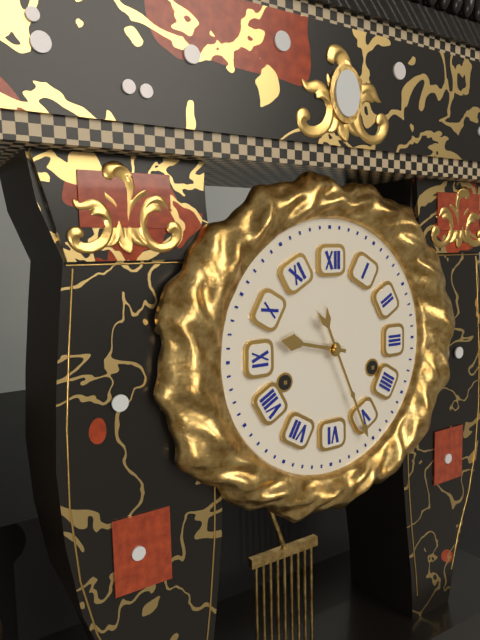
9:26
